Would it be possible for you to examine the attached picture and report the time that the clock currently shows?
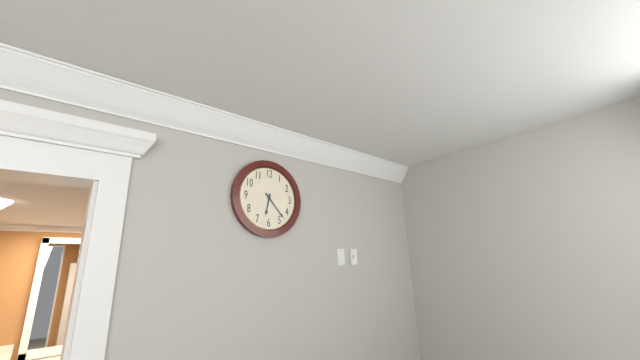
6:23
